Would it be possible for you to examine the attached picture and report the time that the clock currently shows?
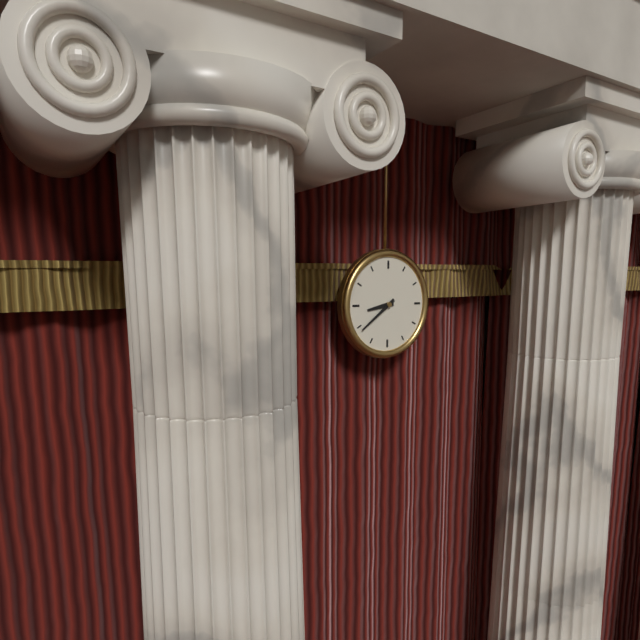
8:39
